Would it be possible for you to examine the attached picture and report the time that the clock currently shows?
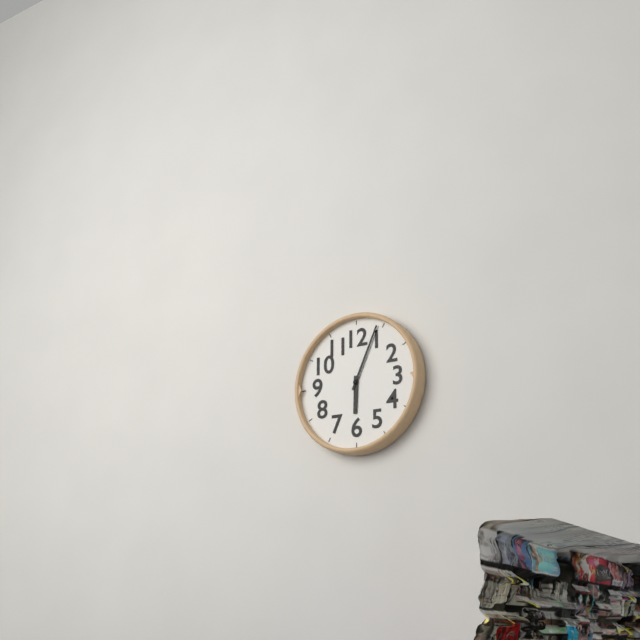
6:04
